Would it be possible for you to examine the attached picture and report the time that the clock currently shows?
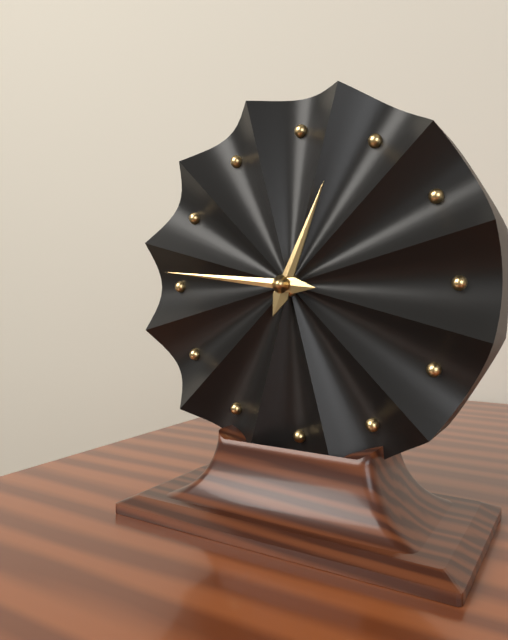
12:46
